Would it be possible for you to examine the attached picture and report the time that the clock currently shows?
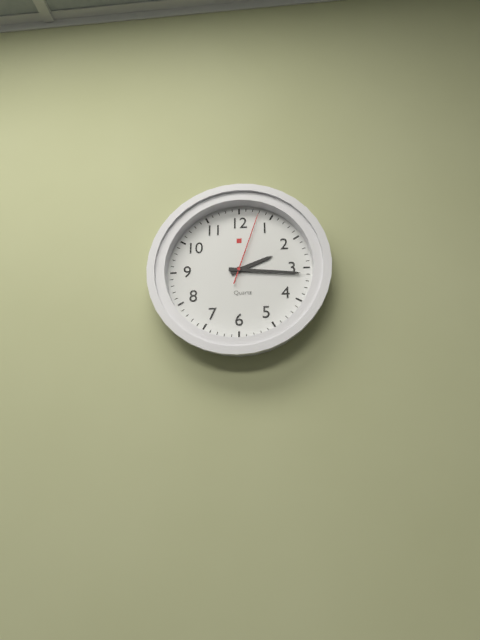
2:16:03
